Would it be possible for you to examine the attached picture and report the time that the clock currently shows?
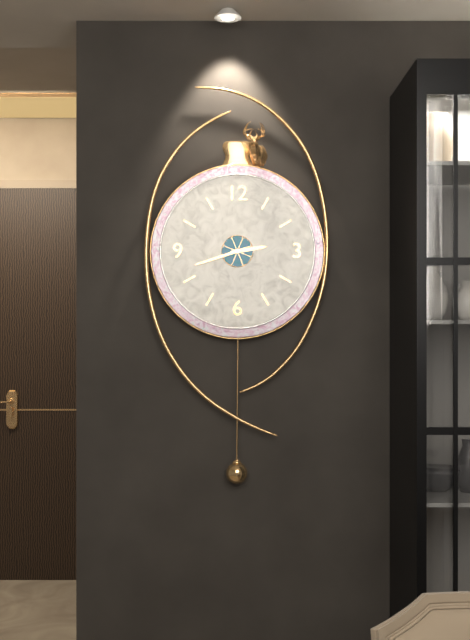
2:42
